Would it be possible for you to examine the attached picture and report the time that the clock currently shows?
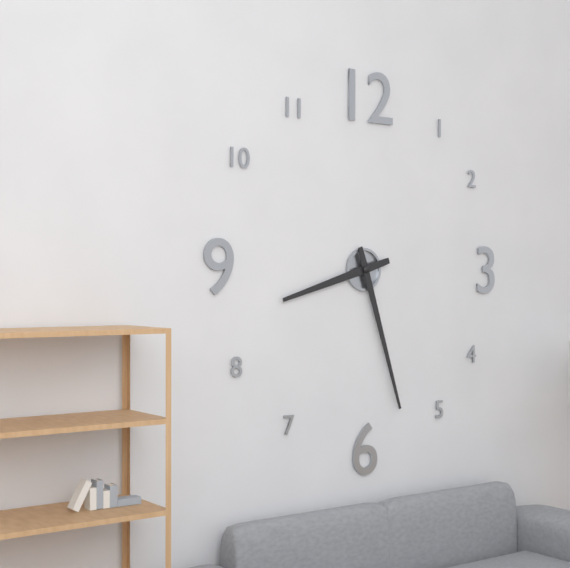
8:27
